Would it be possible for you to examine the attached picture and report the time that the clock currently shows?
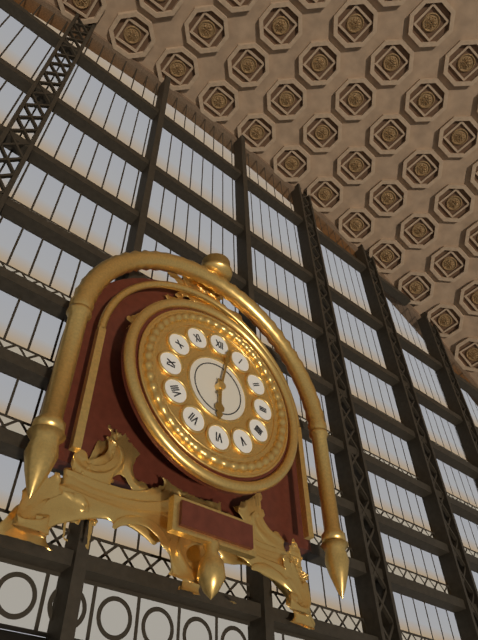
6:02
